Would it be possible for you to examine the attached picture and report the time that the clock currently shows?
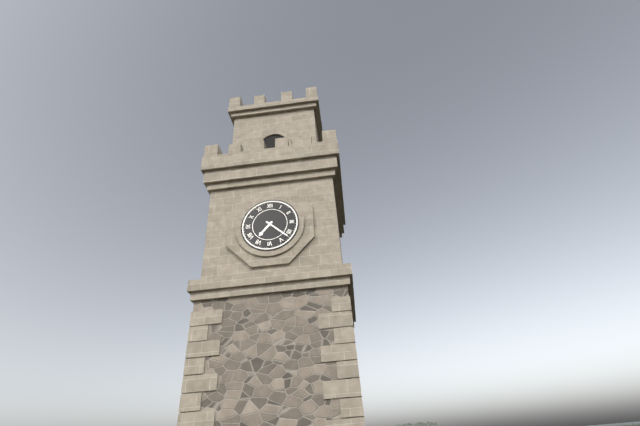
7:22
